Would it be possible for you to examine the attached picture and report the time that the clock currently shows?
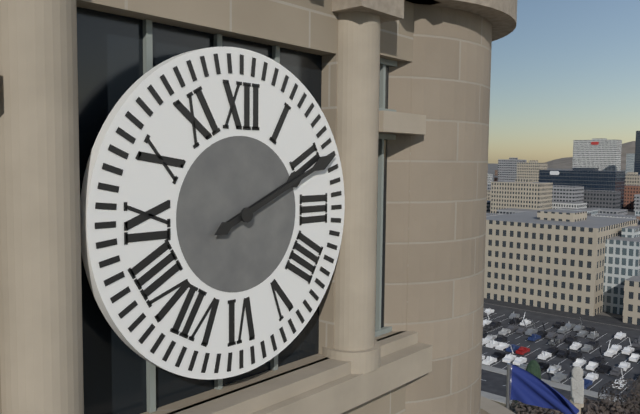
2:11
